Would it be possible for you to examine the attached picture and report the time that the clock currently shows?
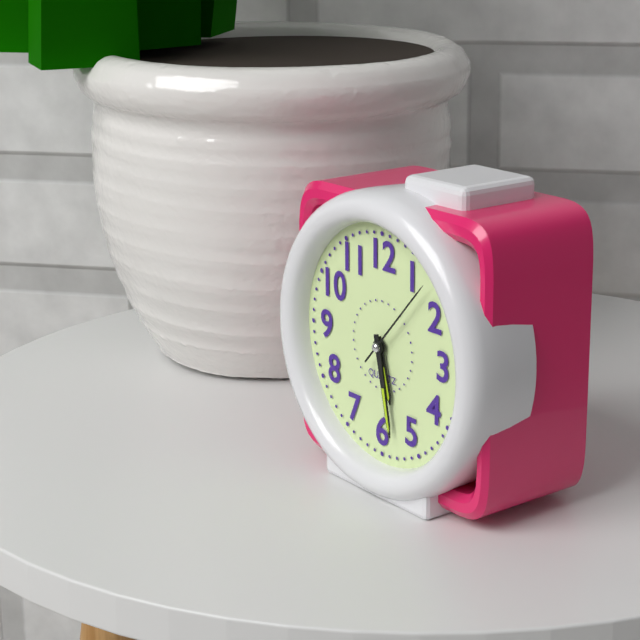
5:28:07
